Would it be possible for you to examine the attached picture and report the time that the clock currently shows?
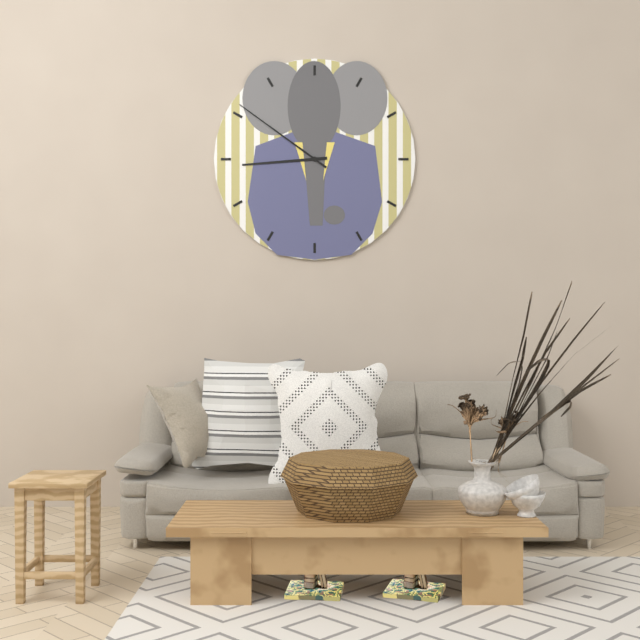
8:51
